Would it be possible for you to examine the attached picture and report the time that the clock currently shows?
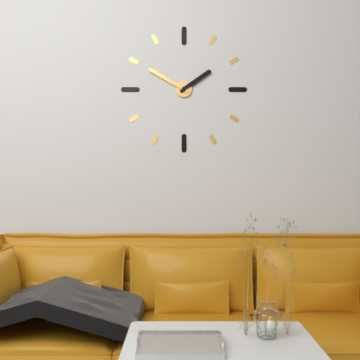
1:50
